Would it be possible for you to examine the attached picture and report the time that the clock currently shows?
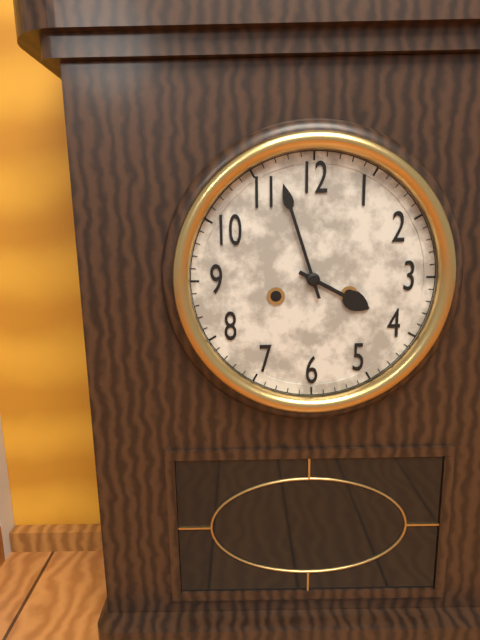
3:57
